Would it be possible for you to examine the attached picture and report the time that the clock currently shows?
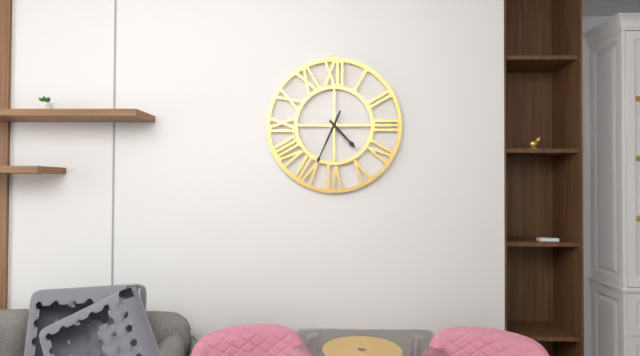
4:34
